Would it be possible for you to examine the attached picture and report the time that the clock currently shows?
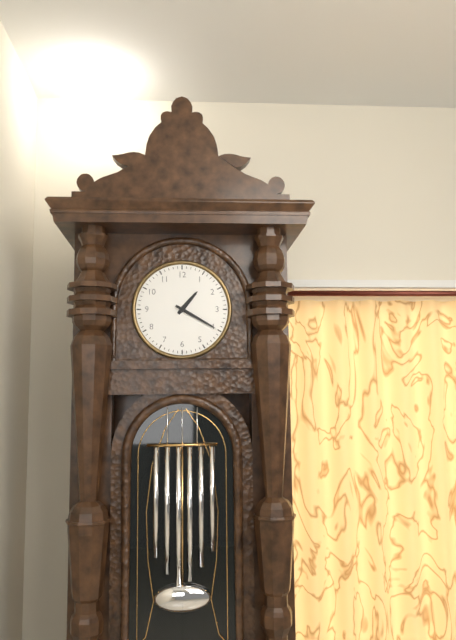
1:20
